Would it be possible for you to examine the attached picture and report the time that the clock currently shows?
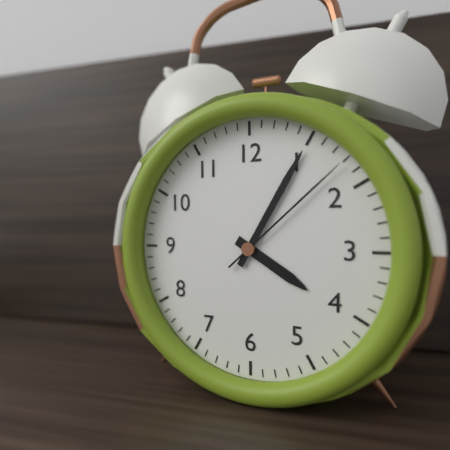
4:05:08
